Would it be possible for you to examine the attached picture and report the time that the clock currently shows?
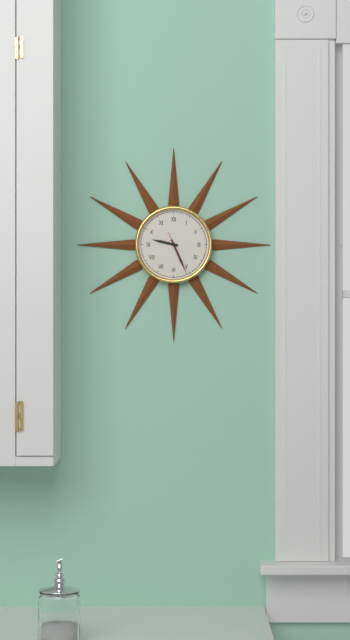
9:26
